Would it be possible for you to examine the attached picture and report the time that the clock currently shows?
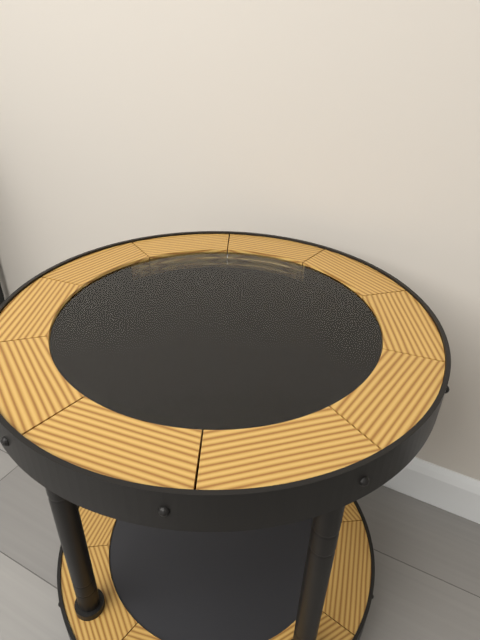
7:59
